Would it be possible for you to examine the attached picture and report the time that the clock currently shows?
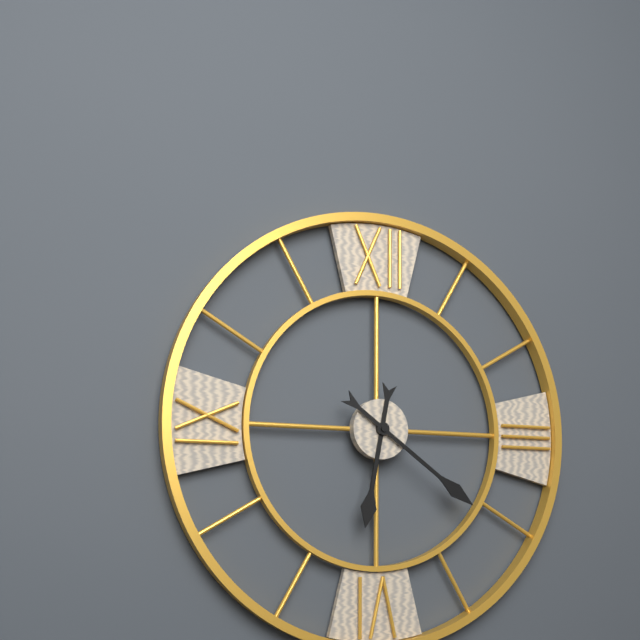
6:21
